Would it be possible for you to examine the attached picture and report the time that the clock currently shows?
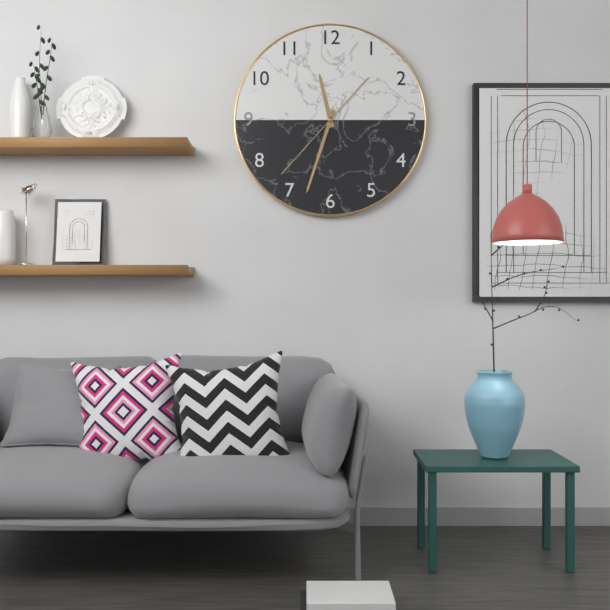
11:33:37
